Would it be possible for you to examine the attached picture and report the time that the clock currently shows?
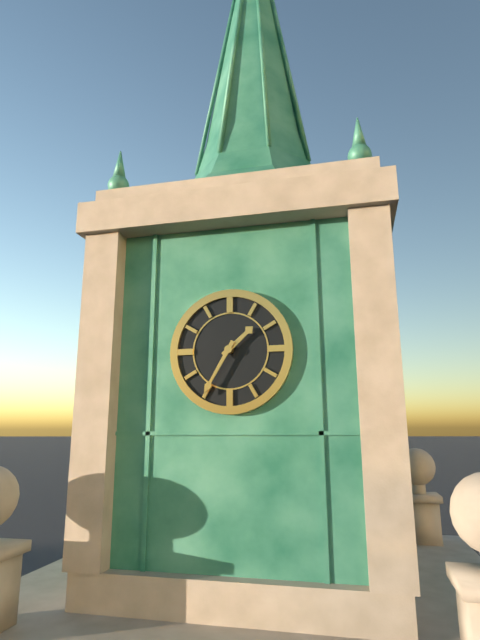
1:35
